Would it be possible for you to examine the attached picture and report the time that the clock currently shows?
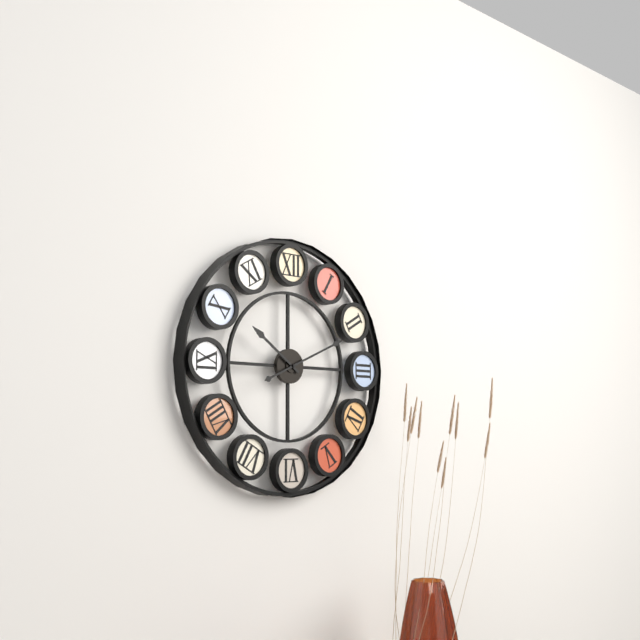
10:11
